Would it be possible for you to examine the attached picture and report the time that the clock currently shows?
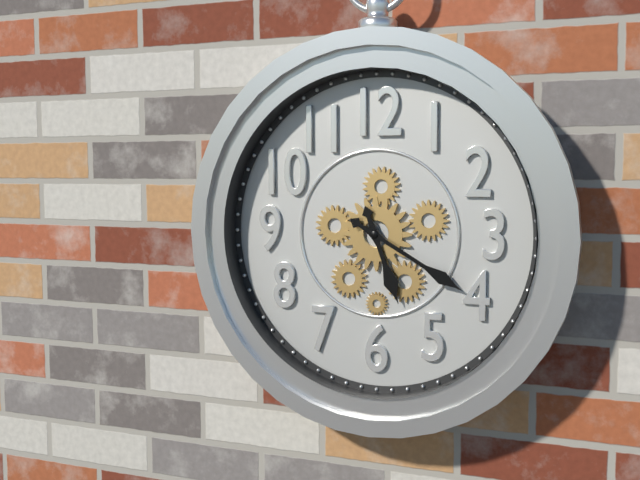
5:20
